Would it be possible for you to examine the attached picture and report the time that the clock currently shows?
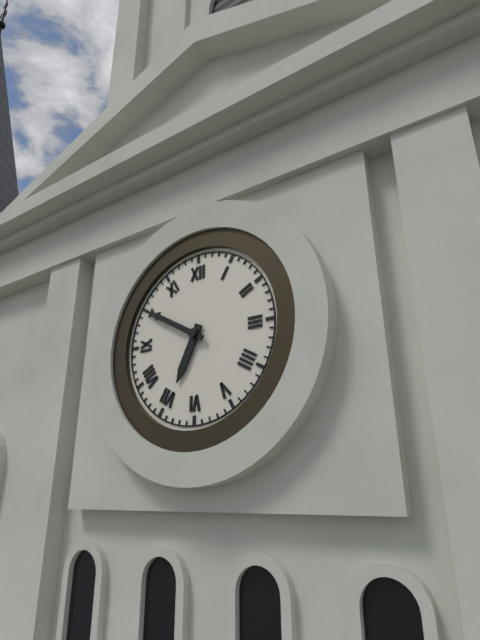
6:50
